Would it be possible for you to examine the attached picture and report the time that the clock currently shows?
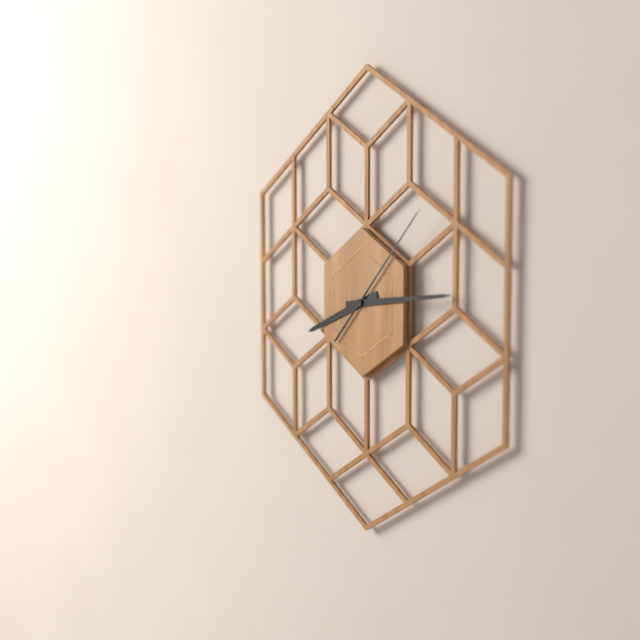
8:14:07
